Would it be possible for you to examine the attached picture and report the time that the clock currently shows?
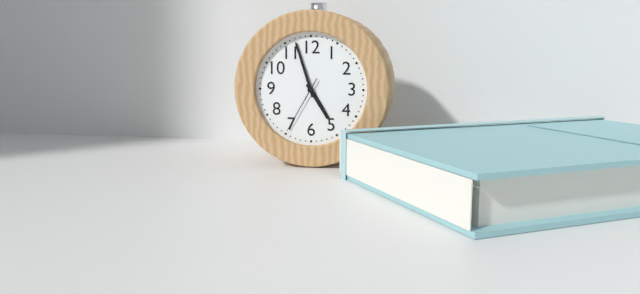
4:57:35
